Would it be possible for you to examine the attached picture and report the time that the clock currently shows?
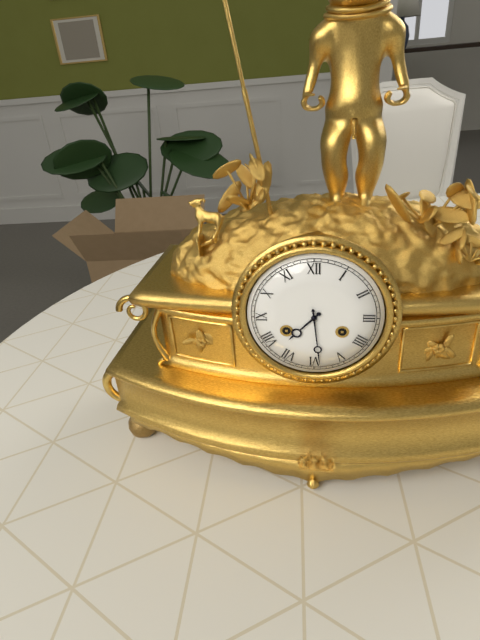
7:29
